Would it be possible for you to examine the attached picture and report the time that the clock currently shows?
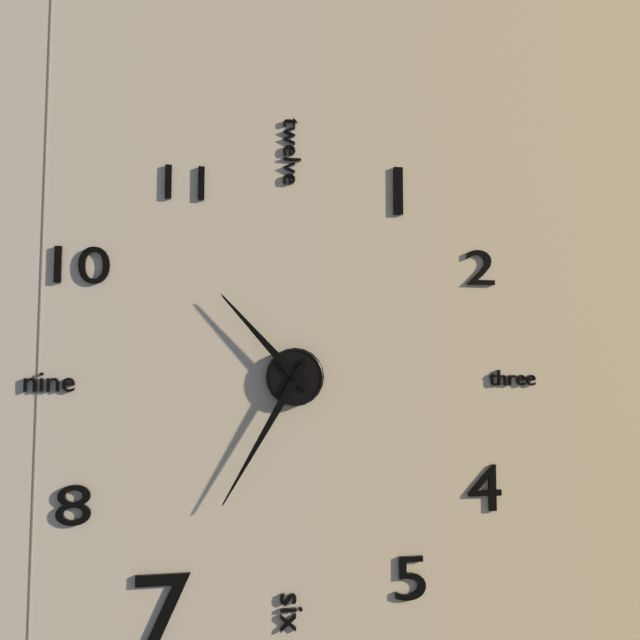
10:35
